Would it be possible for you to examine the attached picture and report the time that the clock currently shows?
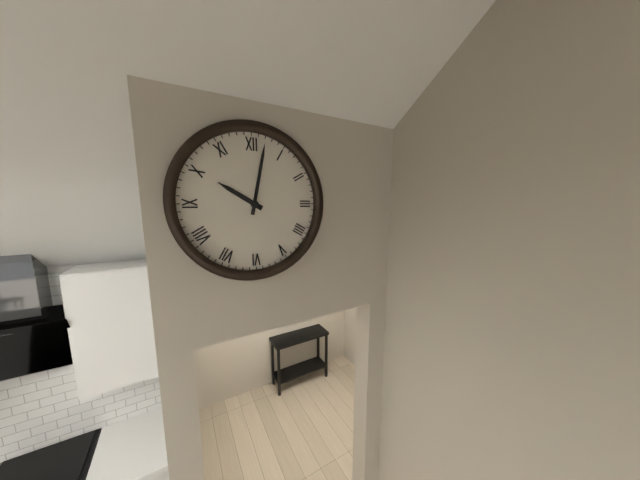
10:02
